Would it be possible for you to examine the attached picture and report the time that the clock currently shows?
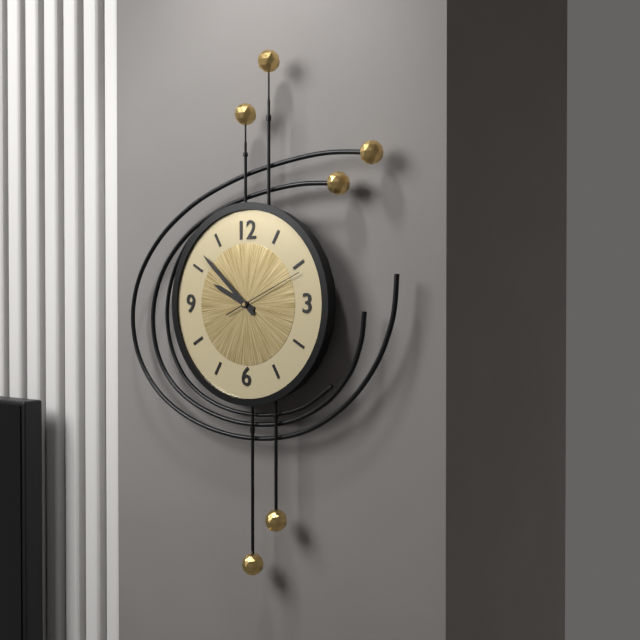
9:52:11
